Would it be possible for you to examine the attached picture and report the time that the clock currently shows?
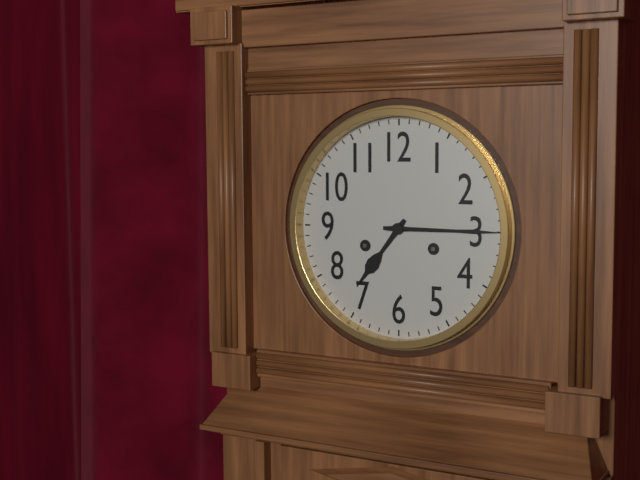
7:15
